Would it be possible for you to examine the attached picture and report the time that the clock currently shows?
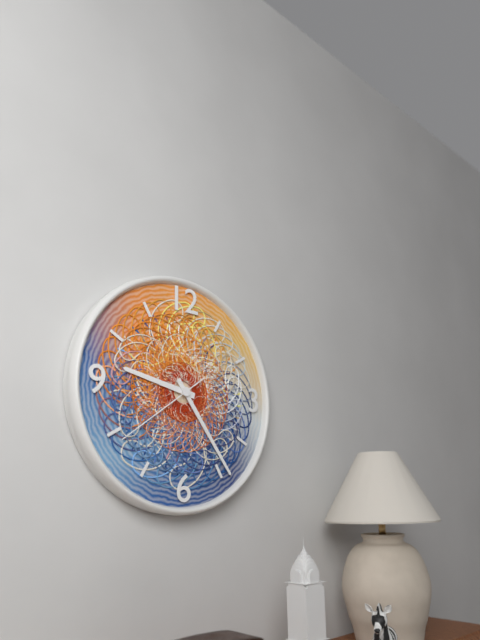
9:24:39
